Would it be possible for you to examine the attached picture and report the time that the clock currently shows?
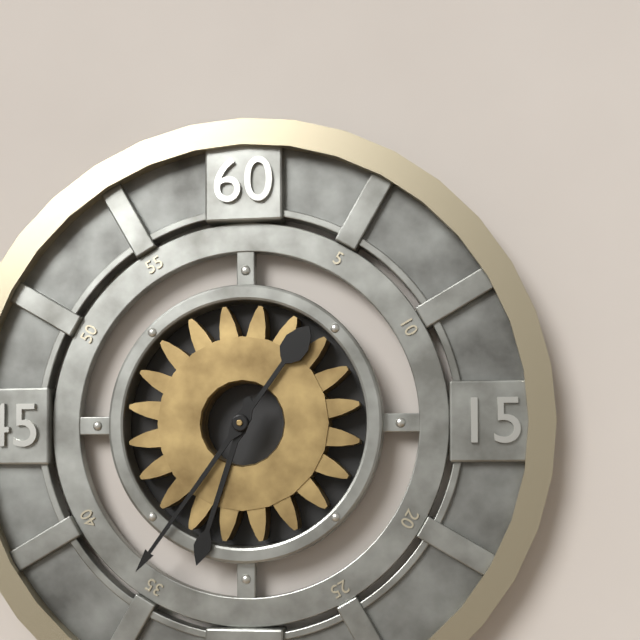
6:36
